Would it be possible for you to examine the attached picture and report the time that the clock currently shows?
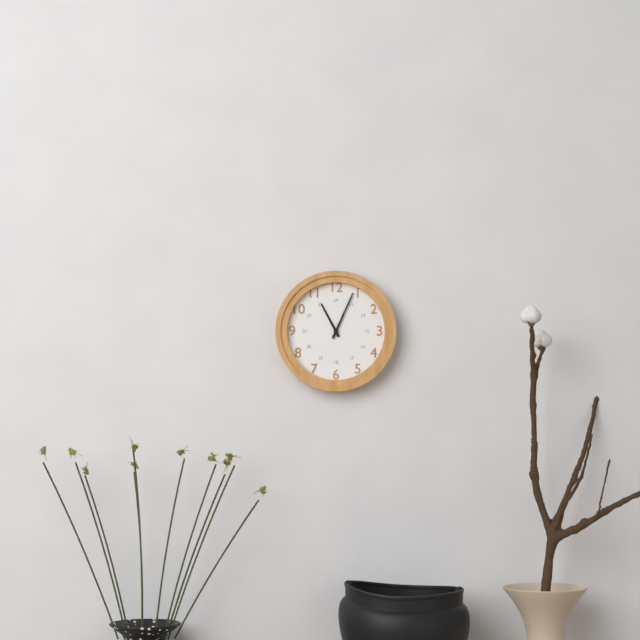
11:04
